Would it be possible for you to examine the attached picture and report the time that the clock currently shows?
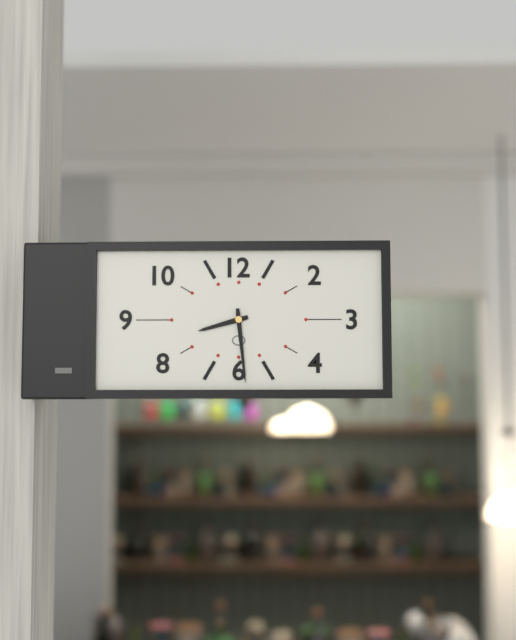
8:29
